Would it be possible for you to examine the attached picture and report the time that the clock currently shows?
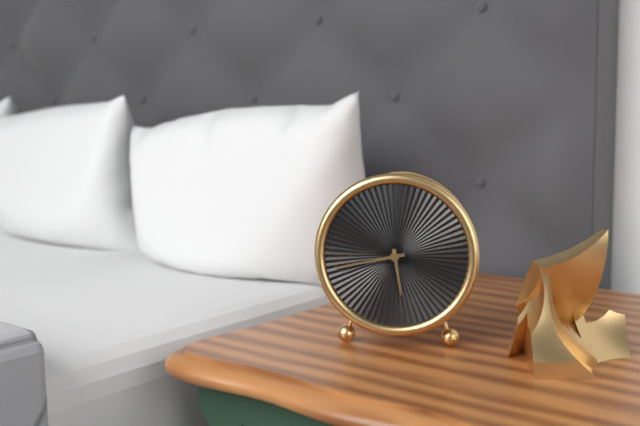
5:43
